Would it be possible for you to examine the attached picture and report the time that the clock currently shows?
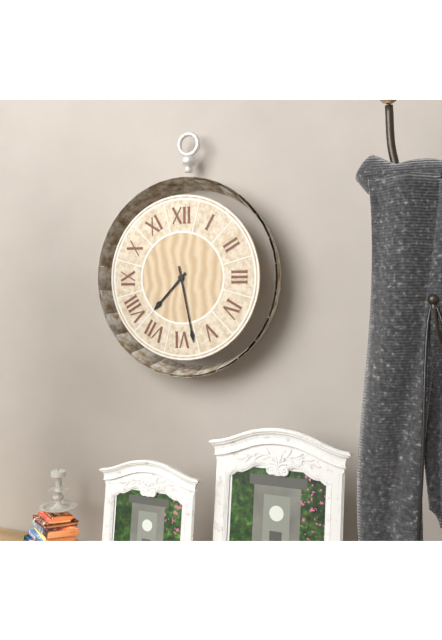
7:28
